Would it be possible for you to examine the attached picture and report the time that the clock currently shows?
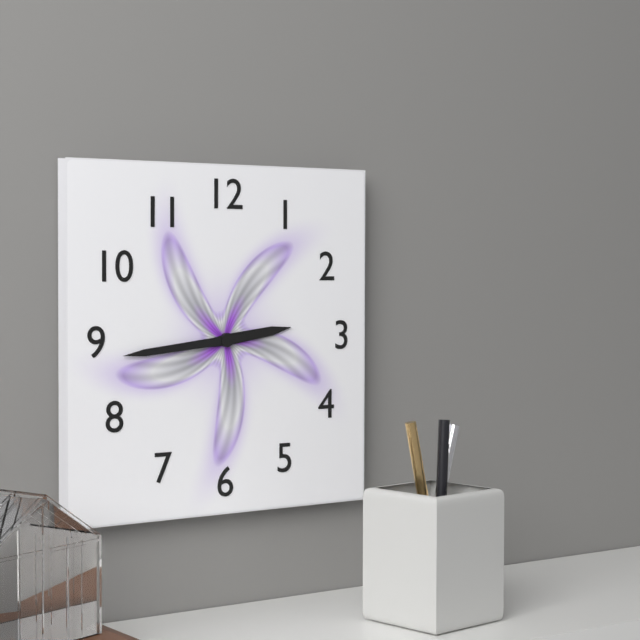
2:44
